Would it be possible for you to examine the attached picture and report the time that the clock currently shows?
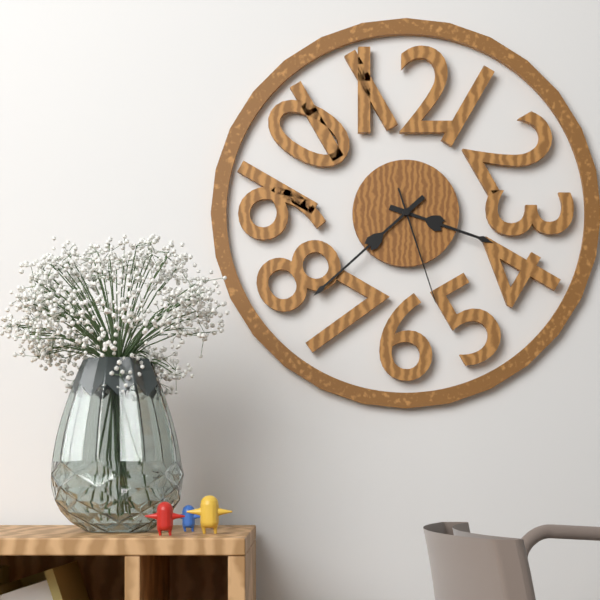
3:38:27
